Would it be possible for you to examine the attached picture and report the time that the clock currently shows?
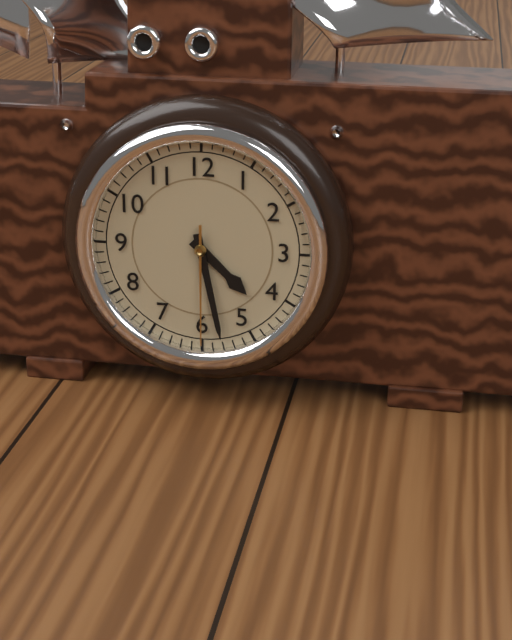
4:28:30
